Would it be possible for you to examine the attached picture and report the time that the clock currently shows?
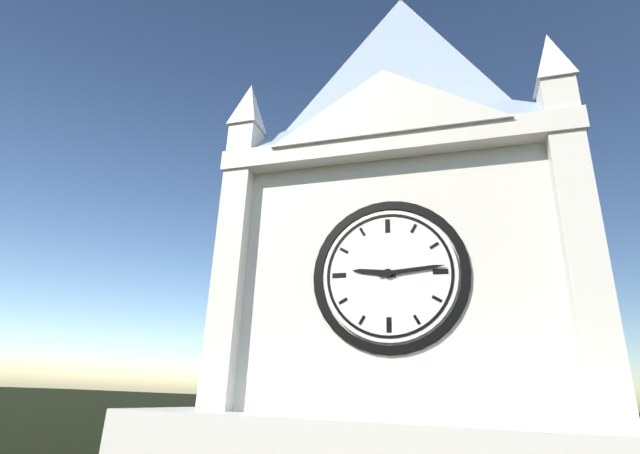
9:14
